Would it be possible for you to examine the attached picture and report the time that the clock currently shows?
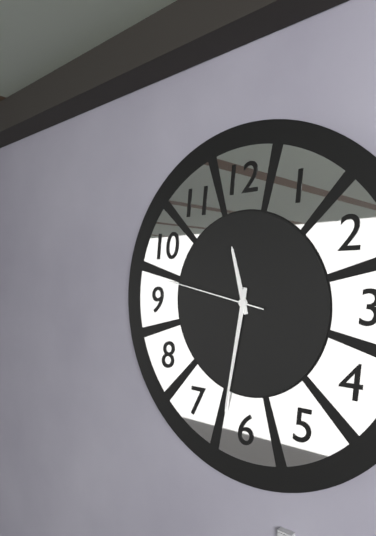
11:32:47
